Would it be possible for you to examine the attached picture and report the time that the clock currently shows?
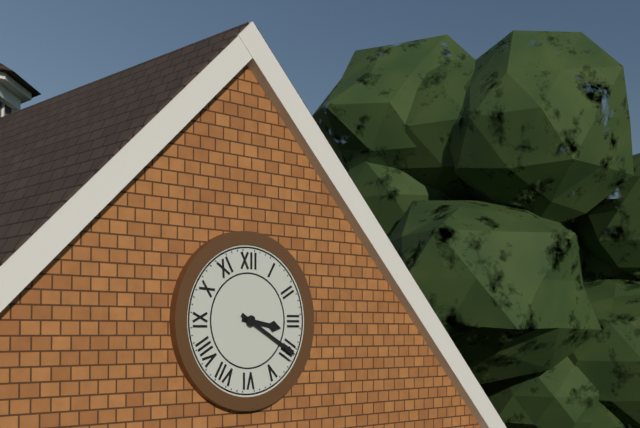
3:20
